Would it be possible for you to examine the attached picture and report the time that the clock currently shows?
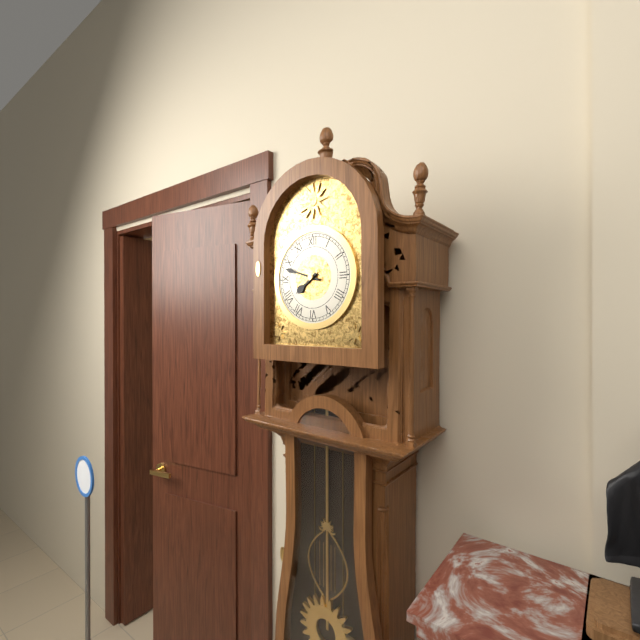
7:48
